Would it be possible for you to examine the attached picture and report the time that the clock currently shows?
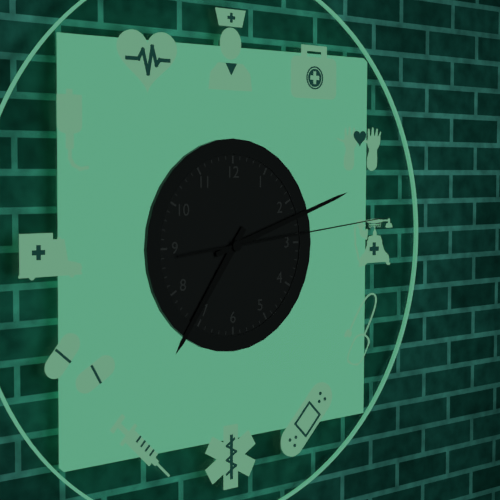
7:12:14
